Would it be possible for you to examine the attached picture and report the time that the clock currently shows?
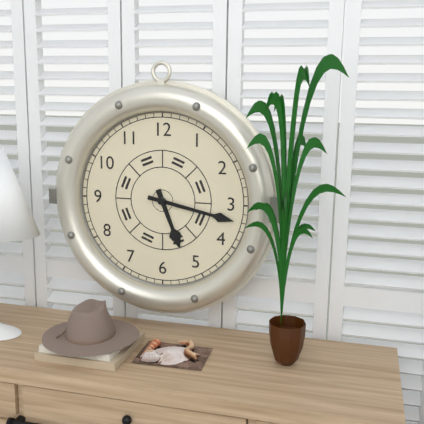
5:17
